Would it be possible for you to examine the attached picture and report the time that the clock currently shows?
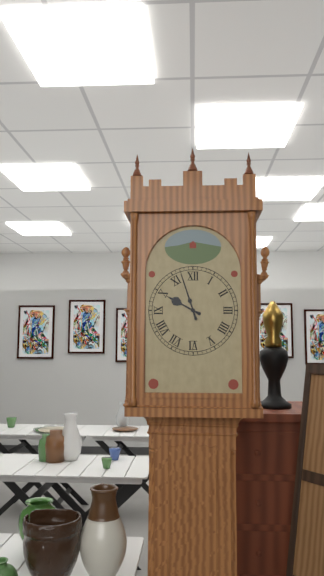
9:57
